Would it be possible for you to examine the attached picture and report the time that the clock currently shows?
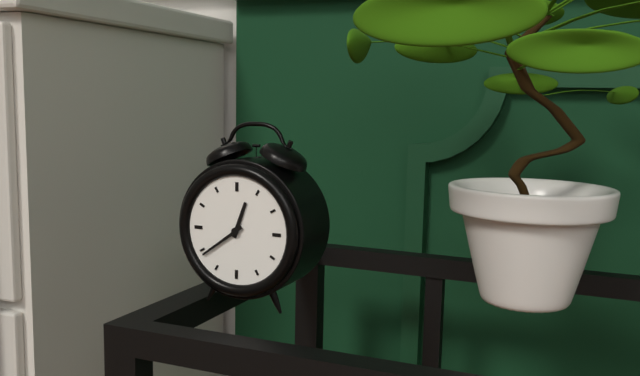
12:39
